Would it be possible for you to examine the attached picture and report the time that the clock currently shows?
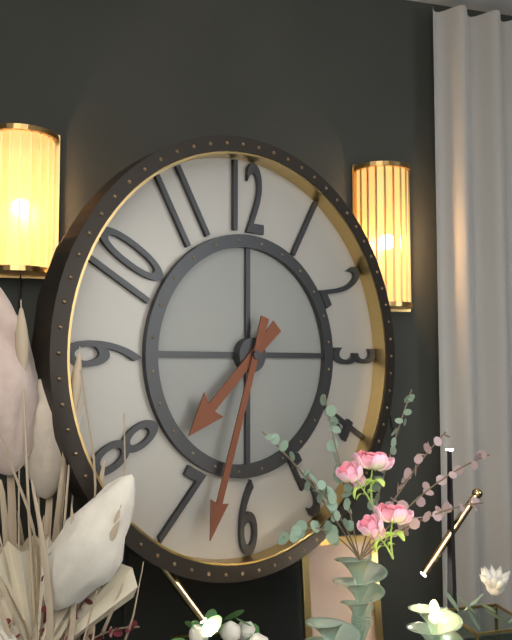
7:33
